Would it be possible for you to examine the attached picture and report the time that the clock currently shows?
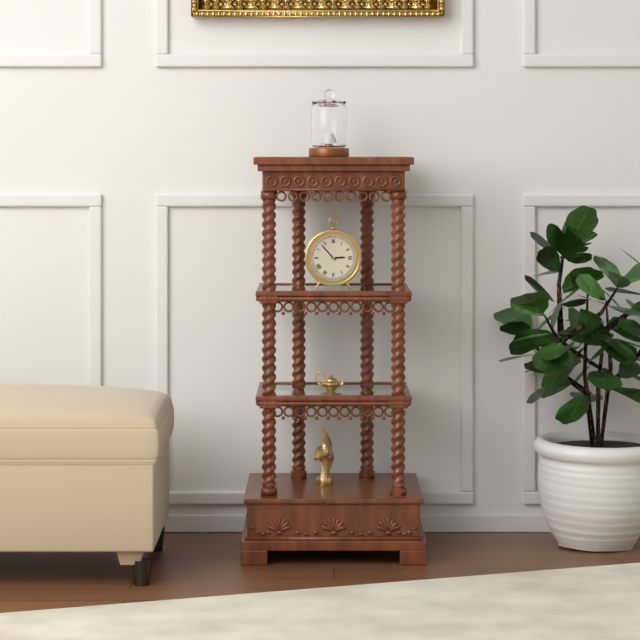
2:53
